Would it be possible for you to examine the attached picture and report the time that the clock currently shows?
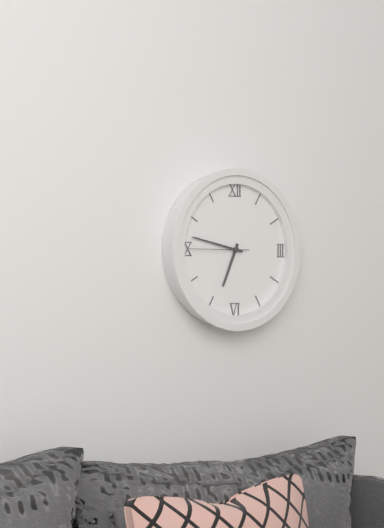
6:47:45
